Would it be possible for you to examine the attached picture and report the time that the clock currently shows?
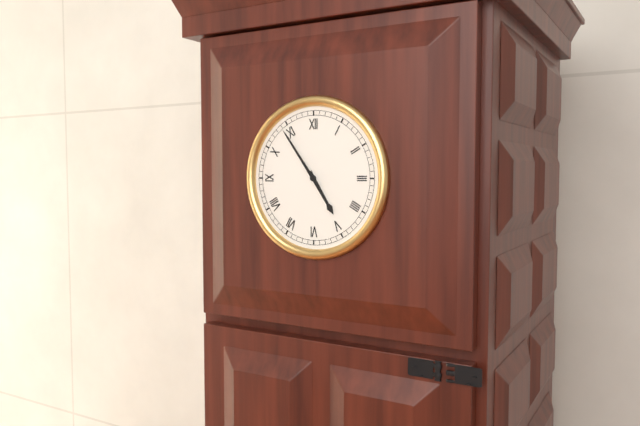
4:54
